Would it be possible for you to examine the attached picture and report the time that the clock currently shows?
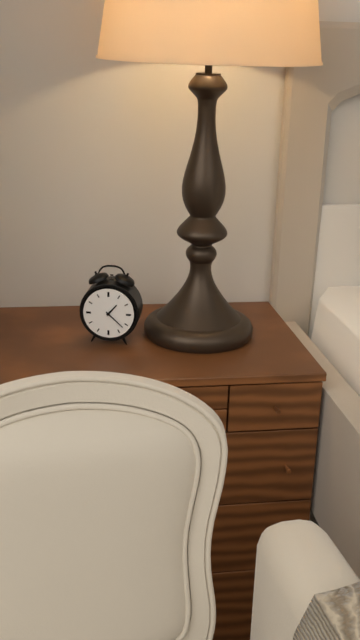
1:22
